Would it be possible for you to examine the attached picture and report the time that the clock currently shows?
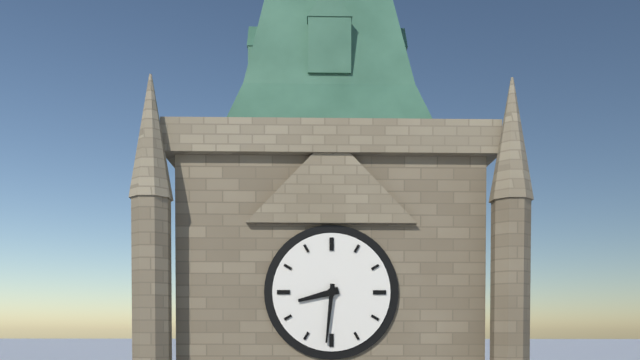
8:31
